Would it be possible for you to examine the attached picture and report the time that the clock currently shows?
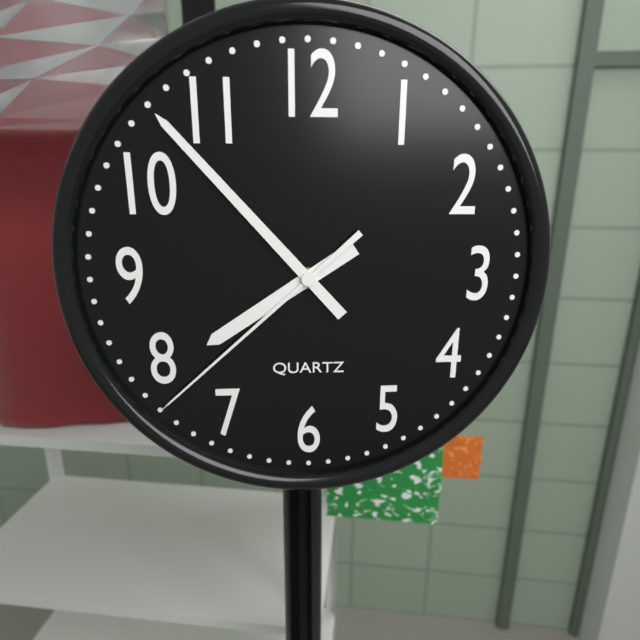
7:53:38
